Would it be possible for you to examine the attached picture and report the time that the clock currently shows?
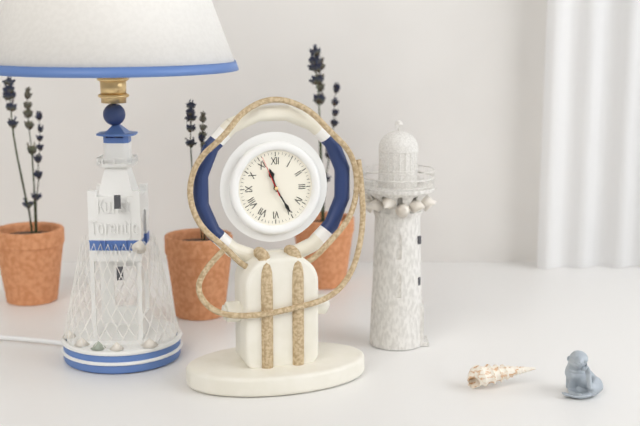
11:25
